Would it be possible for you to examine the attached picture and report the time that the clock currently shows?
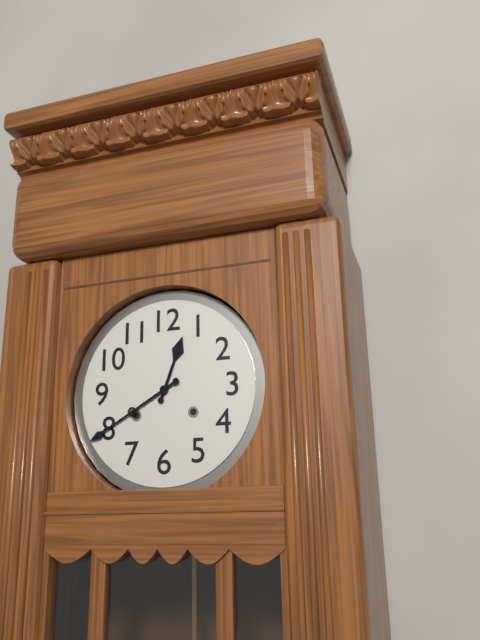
12:40
